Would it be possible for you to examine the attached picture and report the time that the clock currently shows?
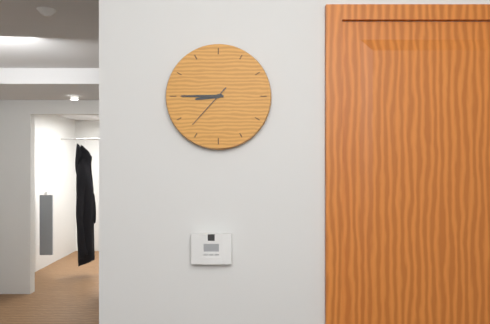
8:45
